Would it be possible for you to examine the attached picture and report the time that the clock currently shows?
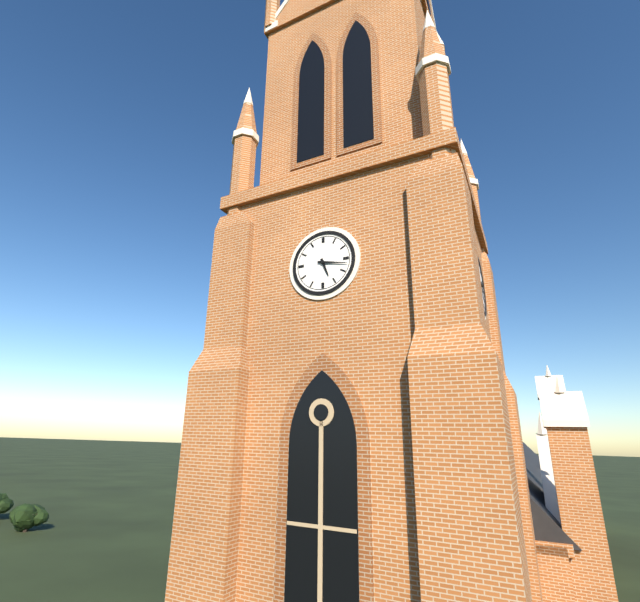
5:17
